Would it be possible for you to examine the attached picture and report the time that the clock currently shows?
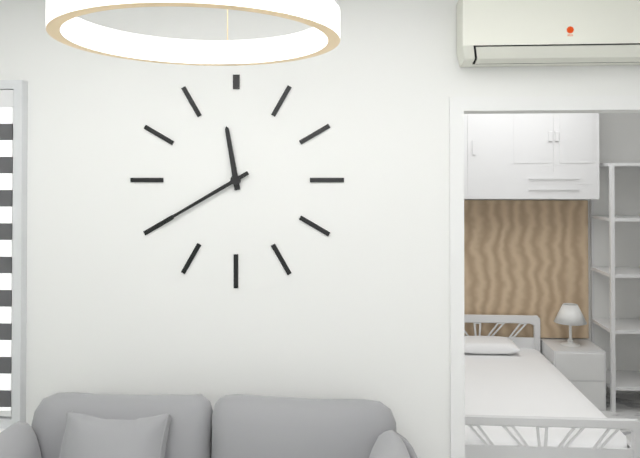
11:40
